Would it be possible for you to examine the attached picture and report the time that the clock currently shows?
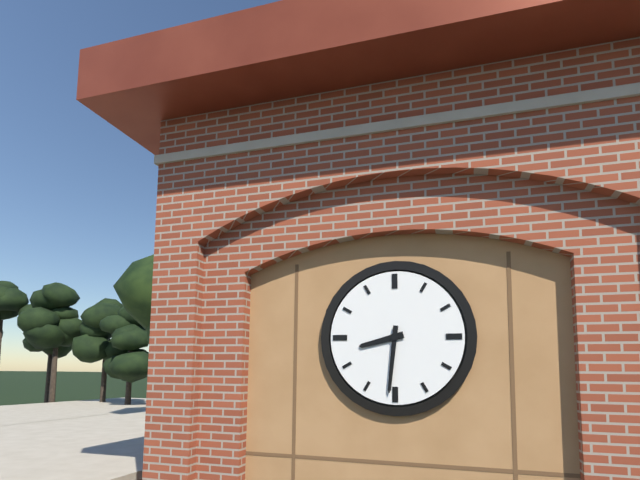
8:31
